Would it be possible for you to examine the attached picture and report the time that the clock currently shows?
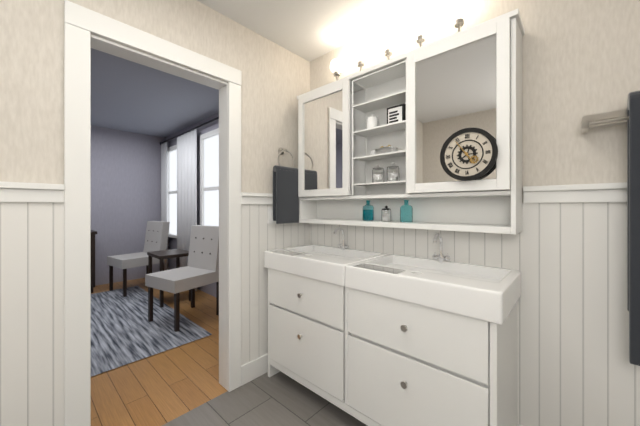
4:54
